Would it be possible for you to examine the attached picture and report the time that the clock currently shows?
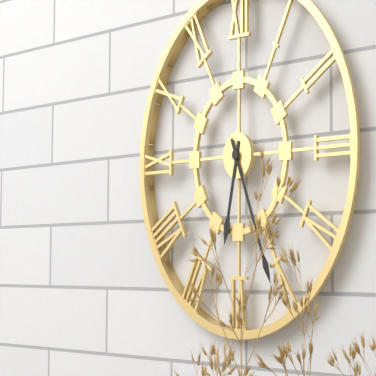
6:26
